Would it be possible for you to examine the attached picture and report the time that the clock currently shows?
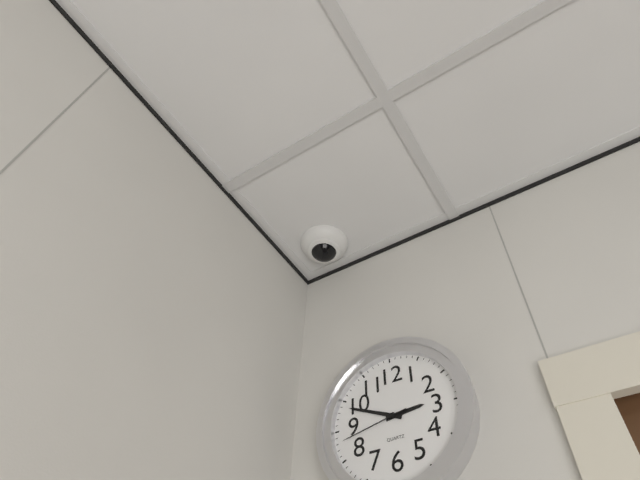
2:49:43
